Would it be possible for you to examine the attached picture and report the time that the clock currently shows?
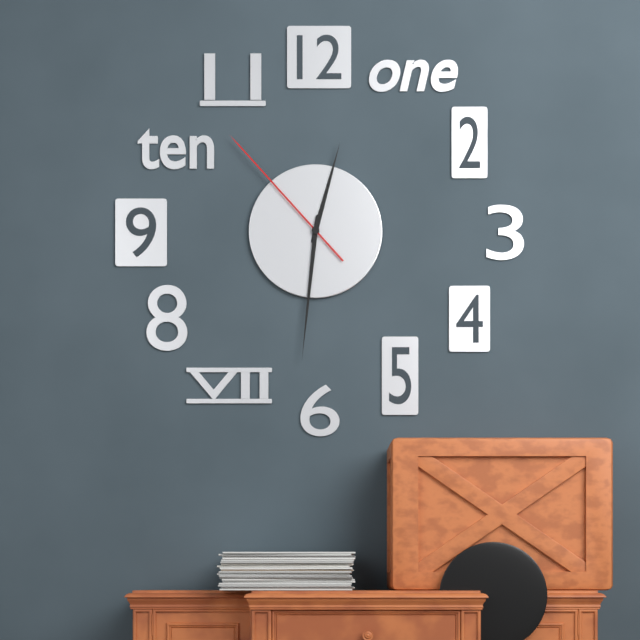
12:31:53
